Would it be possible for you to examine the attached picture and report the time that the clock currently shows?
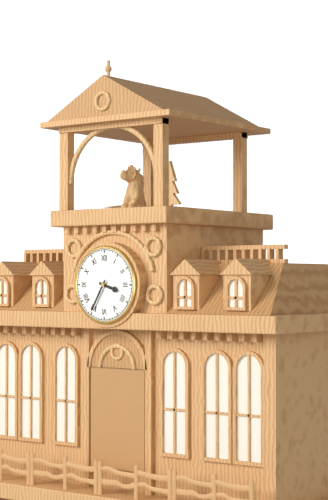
3:35
